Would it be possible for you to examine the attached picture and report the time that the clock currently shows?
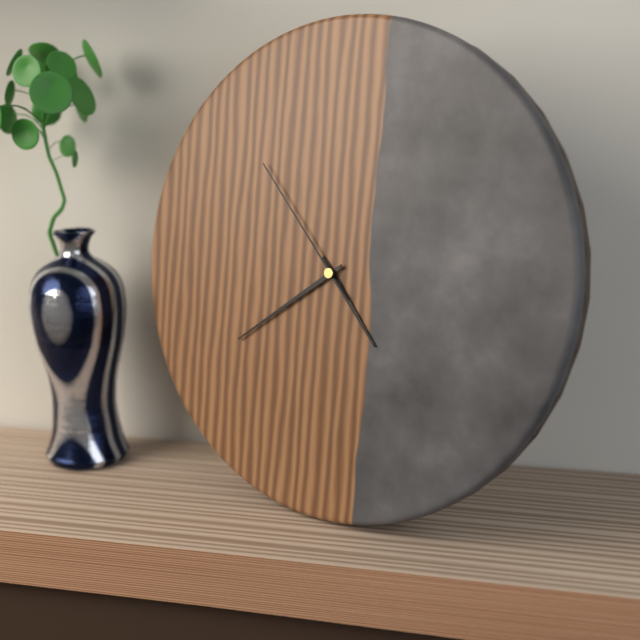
4:39:53
